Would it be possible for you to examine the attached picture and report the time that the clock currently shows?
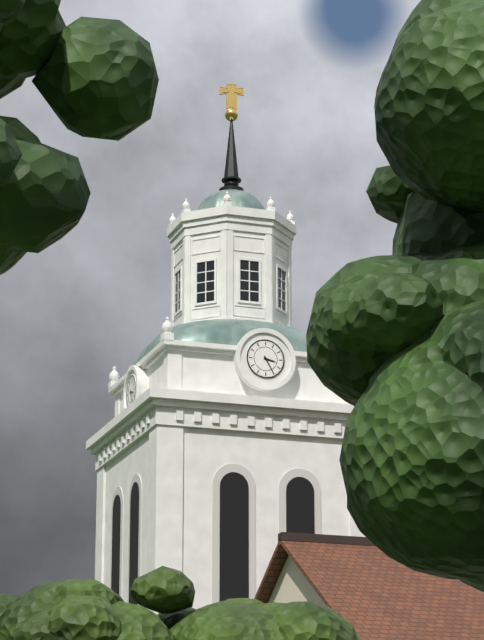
3:25
